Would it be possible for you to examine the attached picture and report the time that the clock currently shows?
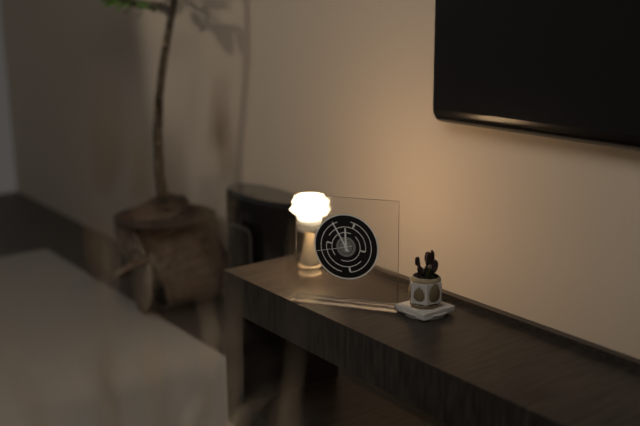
11:55
